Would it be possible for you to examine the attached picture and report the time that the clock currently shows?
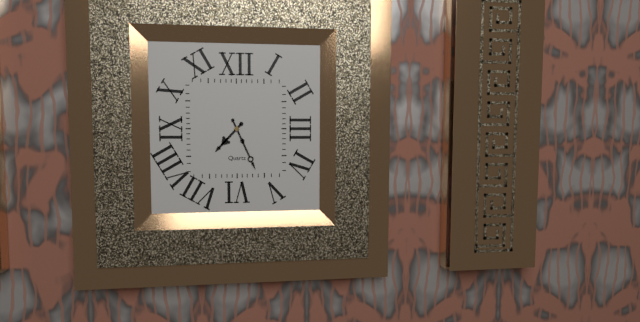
7:26
